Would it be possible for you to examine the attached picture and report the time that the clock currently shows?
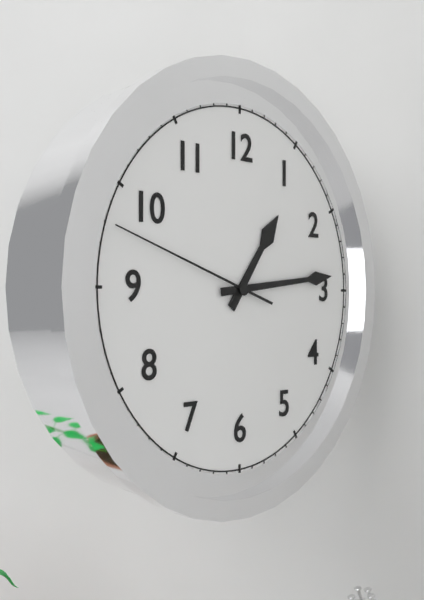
1:14:48
